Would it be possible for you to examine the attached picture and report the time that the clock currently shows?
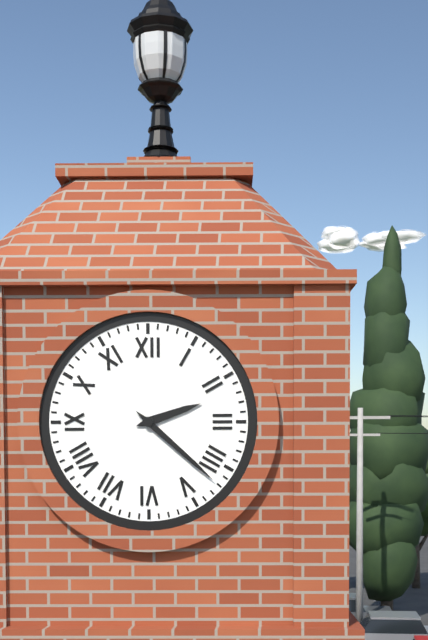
2:22
